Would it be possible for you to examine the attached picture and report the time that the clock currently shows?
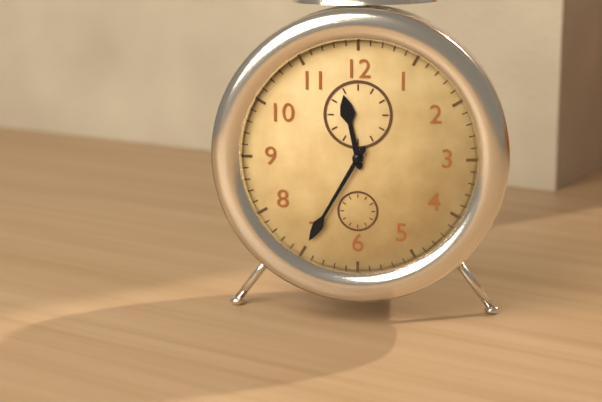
11:35
